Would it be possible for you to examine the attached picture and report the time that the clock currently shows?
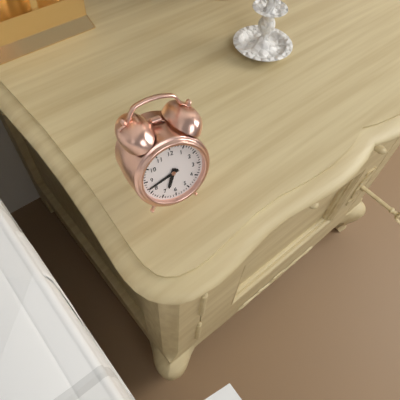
6:42
